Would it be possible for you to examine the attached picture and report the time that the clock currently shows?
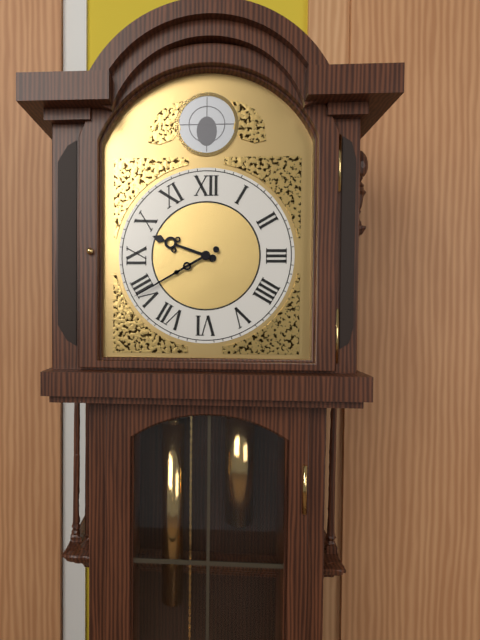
9:40
